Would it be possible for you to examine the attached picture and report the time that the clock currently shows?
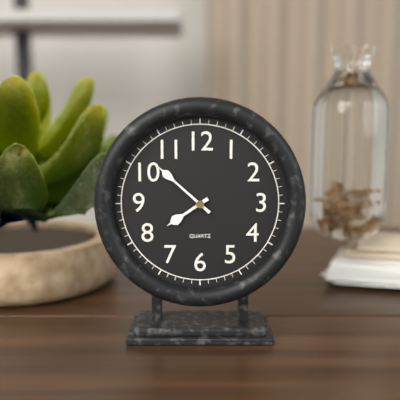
7:52
